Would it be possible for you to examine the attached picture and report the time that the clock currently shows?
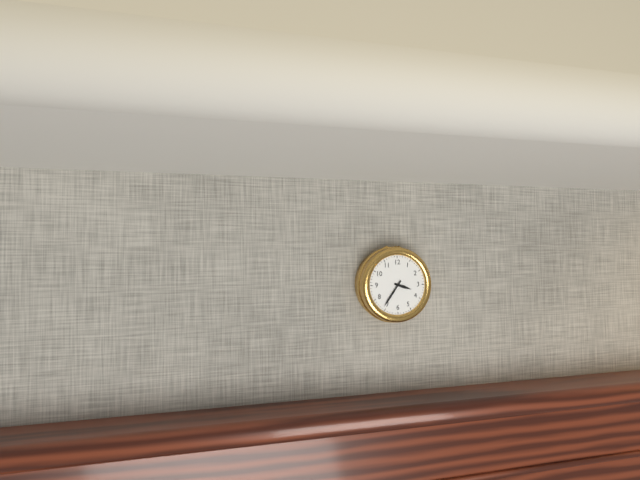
3:36
